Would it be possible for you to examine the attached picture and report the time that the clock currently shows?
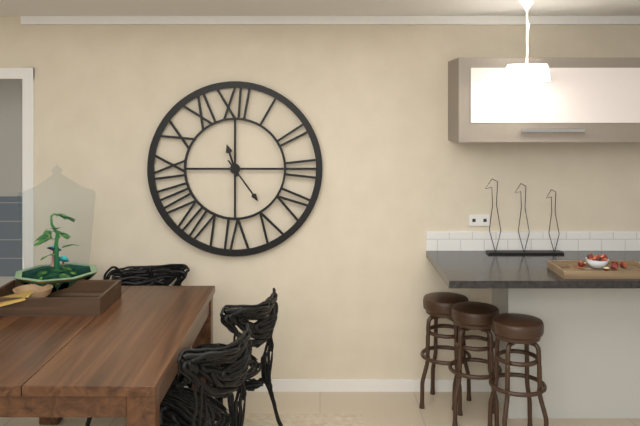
11:24
